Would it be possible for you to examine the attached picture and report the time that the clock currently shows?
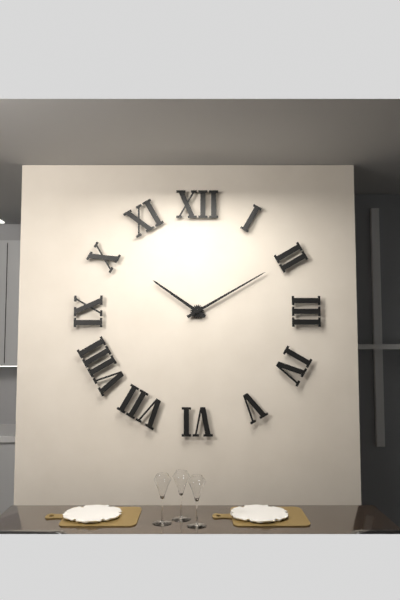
10:10
